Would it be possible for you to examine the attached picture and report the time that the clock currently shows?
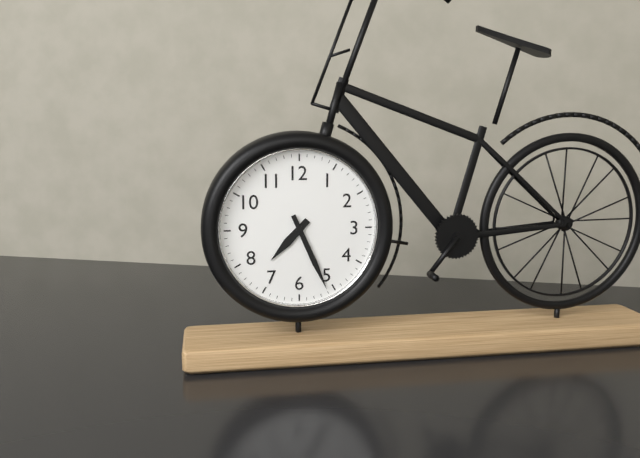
7:26
